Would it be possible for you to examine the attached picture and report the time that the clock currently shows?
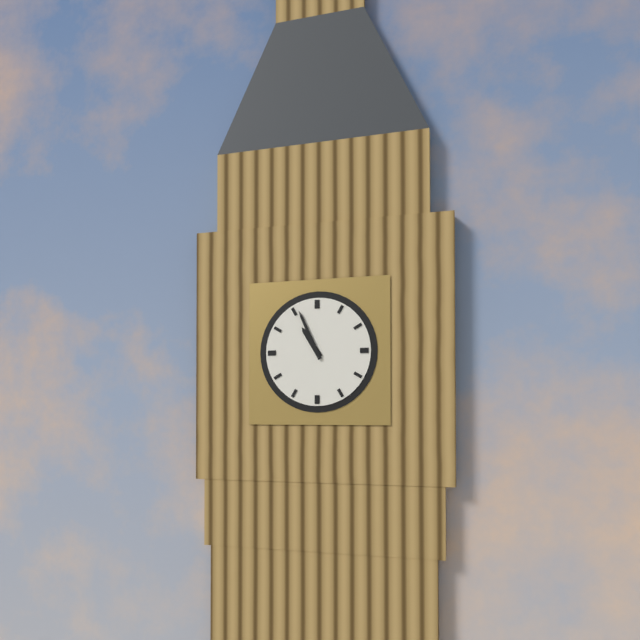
10:56
